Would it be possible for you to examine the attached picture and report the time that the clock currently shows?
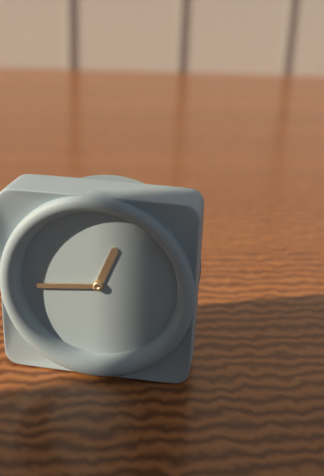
12:44
